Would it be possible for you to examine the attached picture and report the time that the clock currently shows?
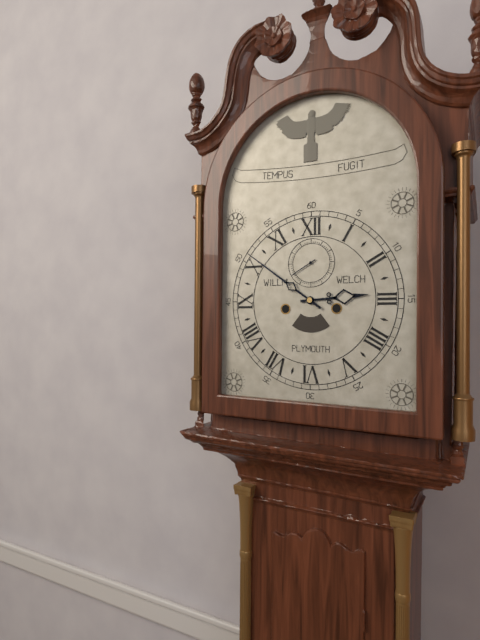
2:51
